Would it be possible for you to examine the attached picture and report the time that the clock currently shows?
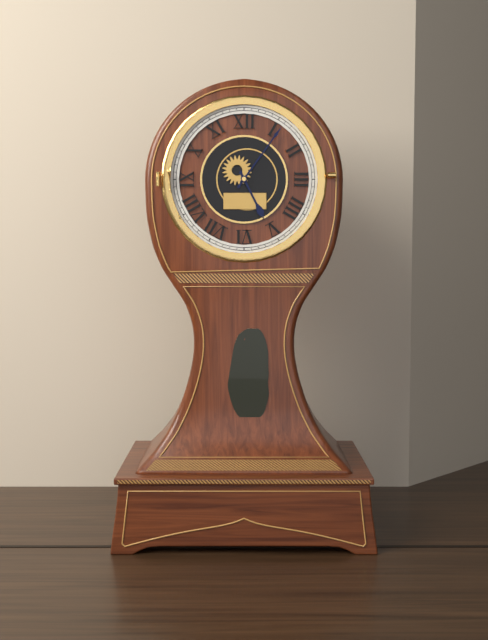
5:06
